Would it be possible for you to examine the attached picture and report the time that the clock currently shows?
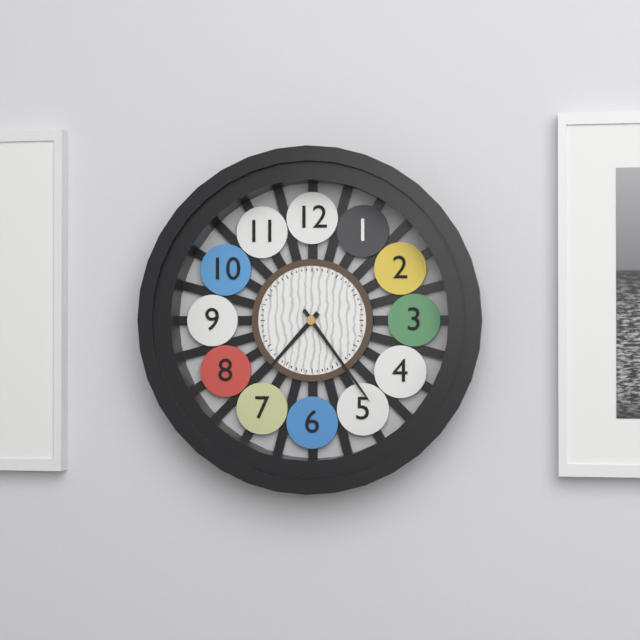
7:24
